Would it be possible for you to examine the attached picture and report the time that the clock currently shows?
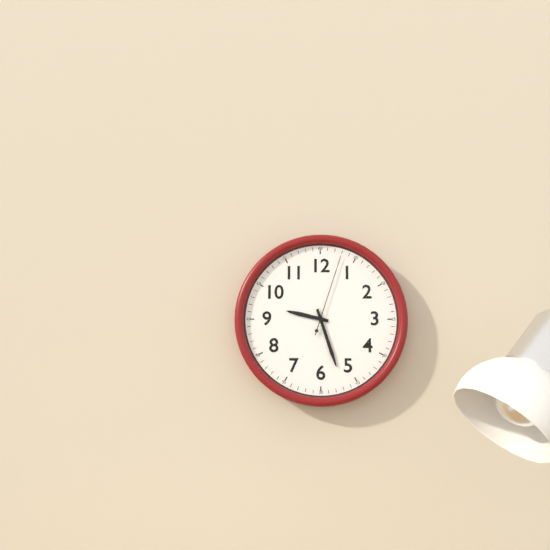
9:27:03
